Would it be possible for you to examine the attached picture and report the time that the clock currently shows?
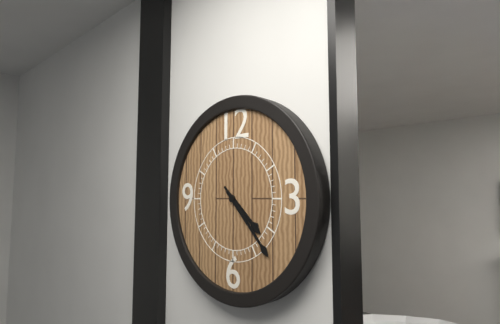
4:23
